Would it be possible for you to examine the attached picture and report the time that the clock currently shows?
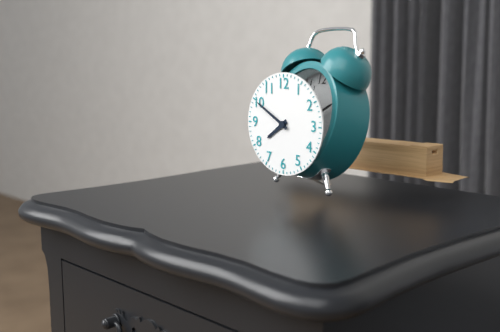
7:50
